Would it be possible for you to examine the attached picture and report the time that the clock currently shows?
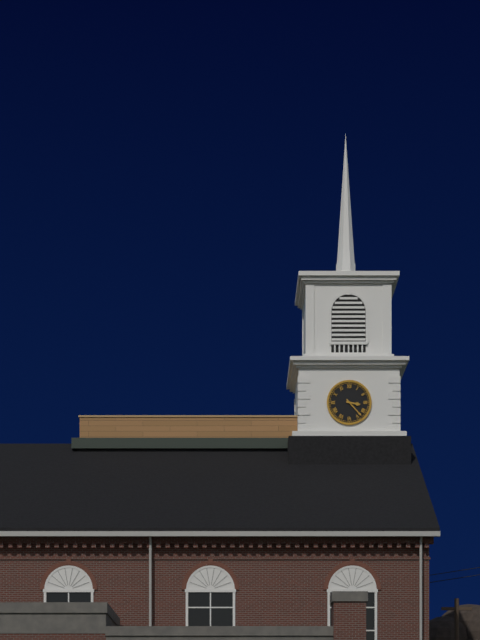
3:23
